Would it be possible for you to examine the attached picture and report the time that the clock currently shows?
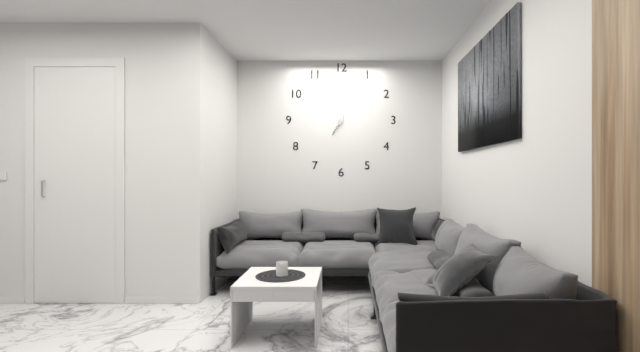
7:02
